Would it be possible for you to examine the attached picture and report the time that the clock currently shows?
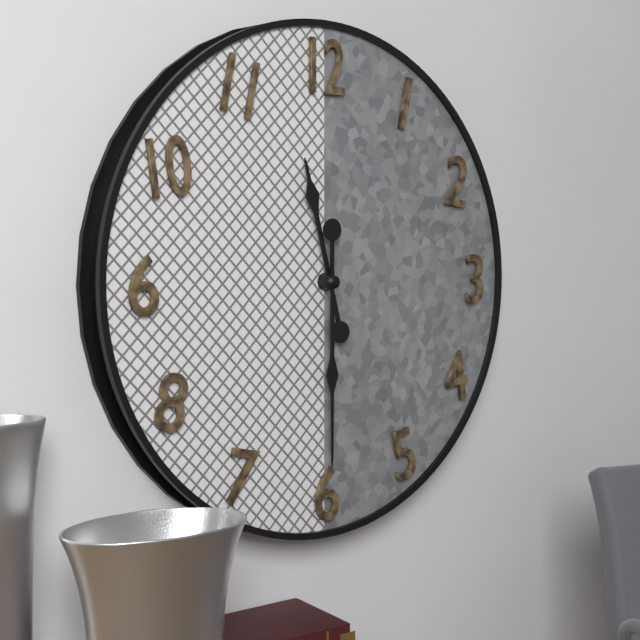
11:30
